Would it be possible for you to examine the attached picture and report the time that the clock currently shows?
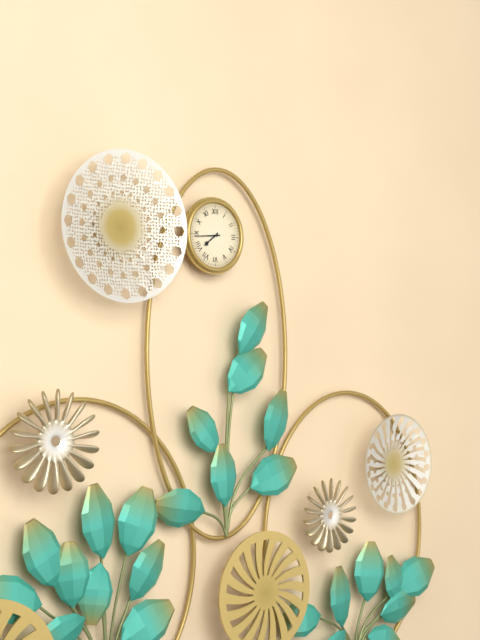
7:44
